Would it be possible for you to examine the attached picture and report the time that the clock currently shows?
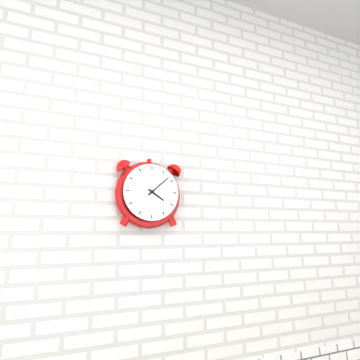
4:08
